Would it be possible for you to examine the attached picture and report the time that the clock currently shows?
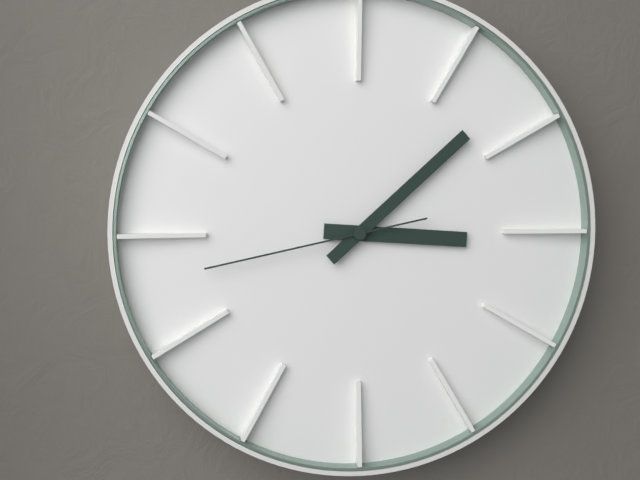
3:08:43
